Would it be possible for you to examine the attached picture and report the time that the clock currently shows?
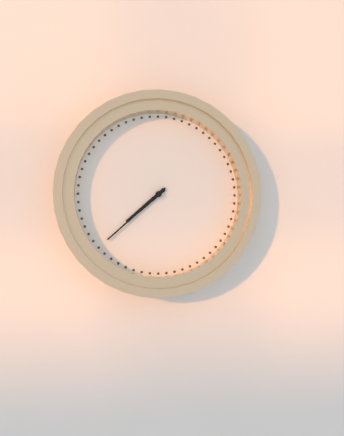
7:38
